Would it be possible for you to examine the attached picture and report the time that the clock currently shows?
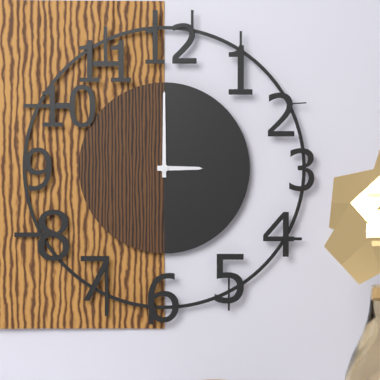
3:00
